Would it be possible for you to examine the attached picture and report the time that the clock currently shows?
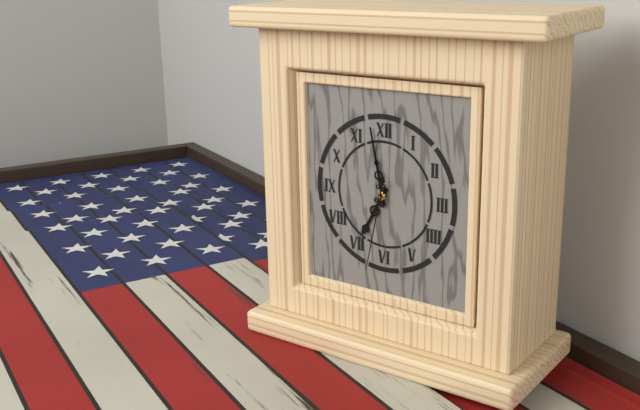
6:58:32
